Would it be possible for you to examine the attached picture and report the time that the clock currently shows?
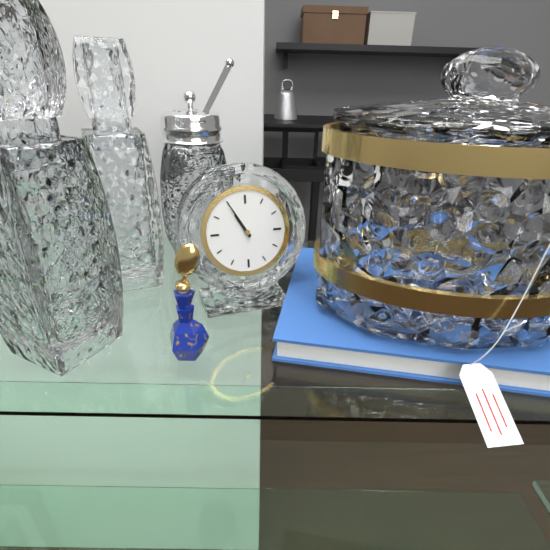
10:55
